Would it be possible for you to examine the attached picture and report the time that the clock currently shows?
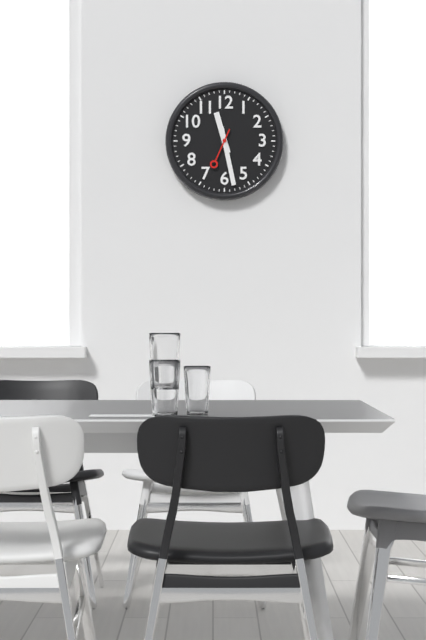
11:28
